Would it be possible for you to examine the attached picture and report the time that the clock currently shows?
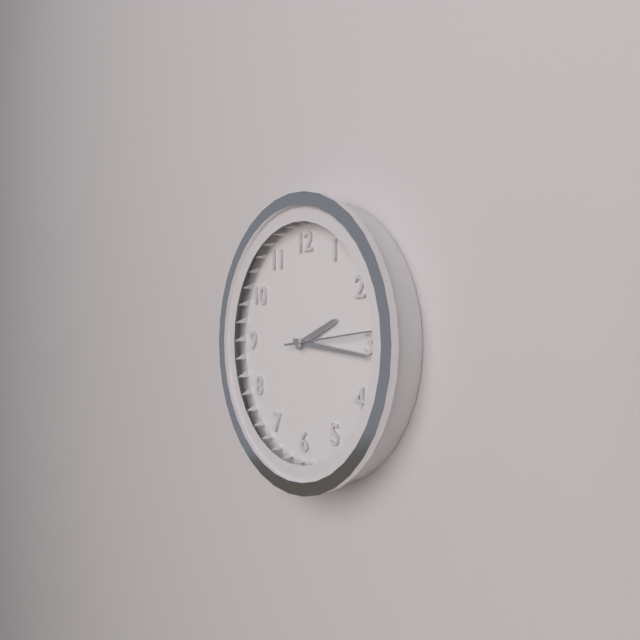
2:16:14
